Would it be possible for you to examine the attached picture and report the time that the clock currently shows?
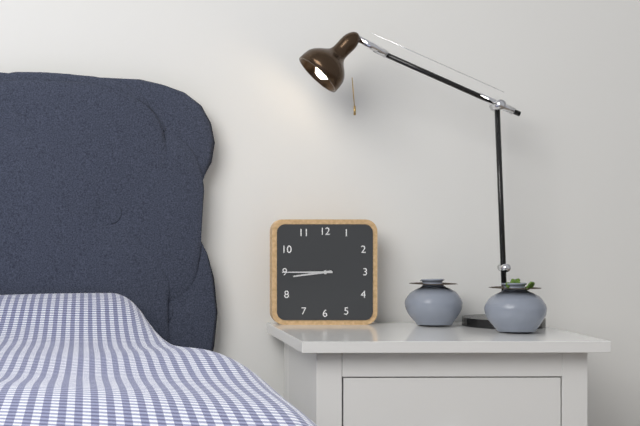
8:45
